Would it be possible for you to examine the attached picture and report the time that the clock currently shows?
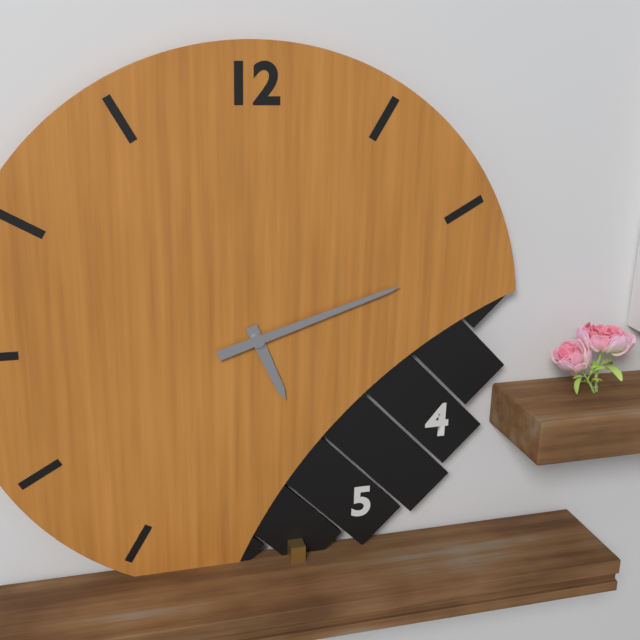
5:12
